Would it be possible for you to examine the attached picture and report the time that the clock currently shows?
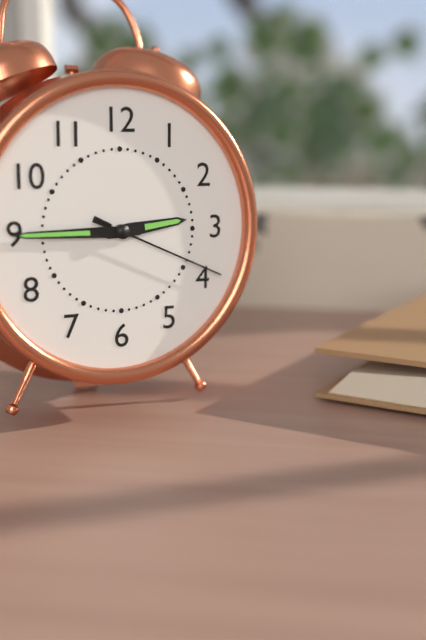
2:45:19
